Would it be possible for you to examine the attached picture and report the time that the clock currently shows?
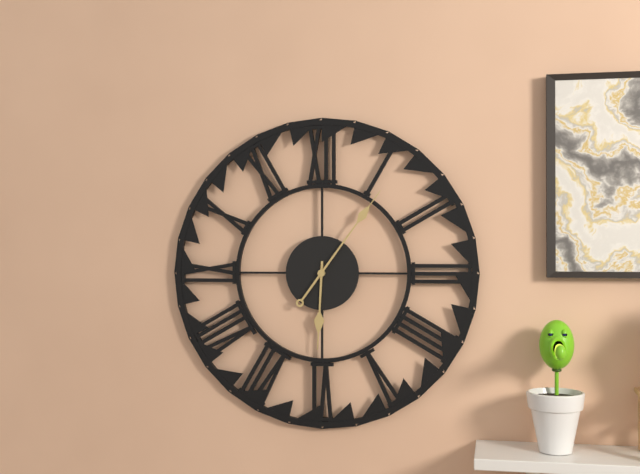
6:06
